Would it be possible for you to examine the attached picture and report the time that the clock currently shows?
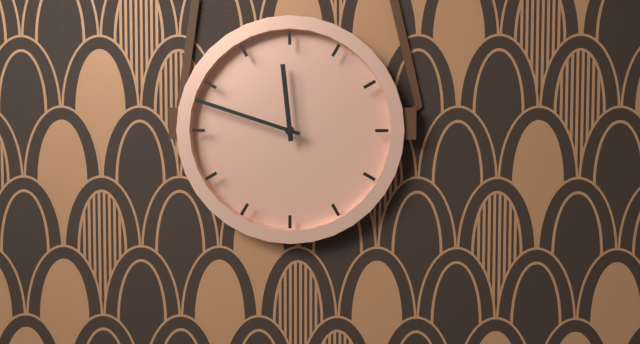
11:48
